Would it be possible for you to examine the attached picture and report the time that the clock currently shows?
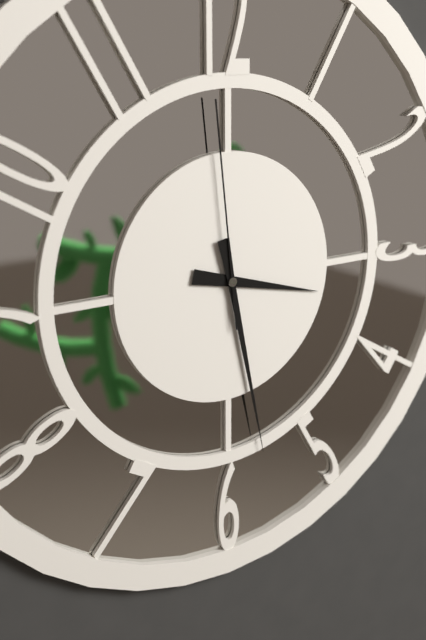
3:28:59
